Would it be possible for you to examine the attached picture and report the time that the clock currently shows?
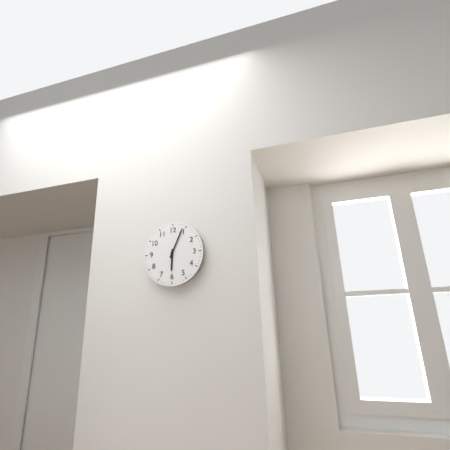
6:04
